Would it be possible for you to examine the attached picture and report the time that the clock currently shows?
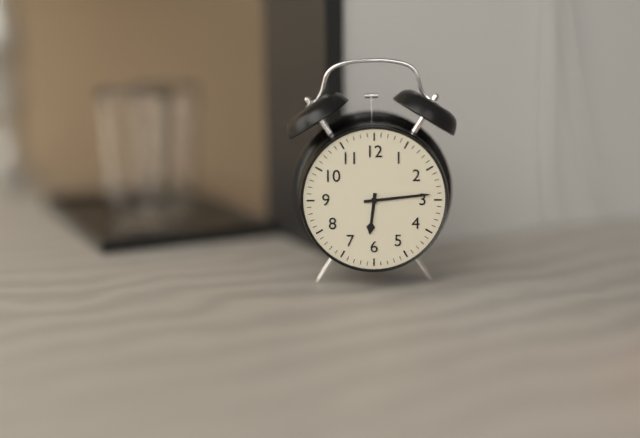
6:14
